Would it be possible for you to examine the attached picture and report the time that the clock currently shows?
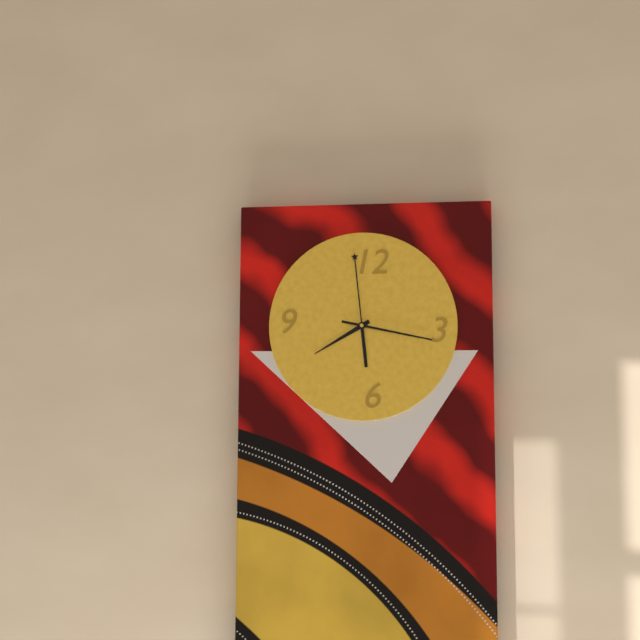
7:59:17
